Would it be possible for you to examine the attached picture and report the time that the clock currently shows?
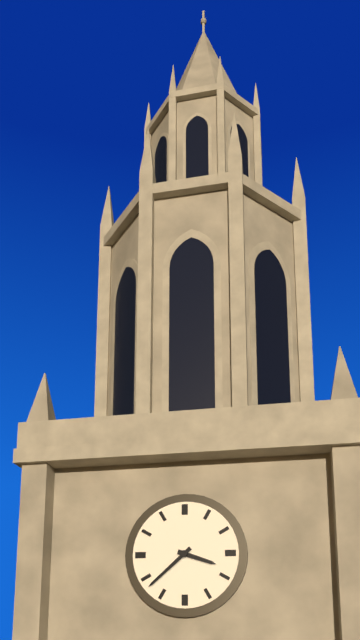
3:38
